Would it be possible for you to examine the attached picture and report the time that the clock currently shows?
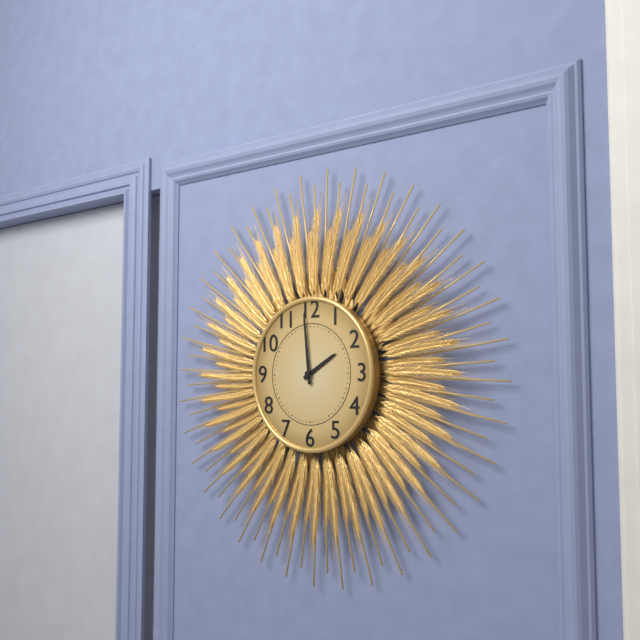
1:59
